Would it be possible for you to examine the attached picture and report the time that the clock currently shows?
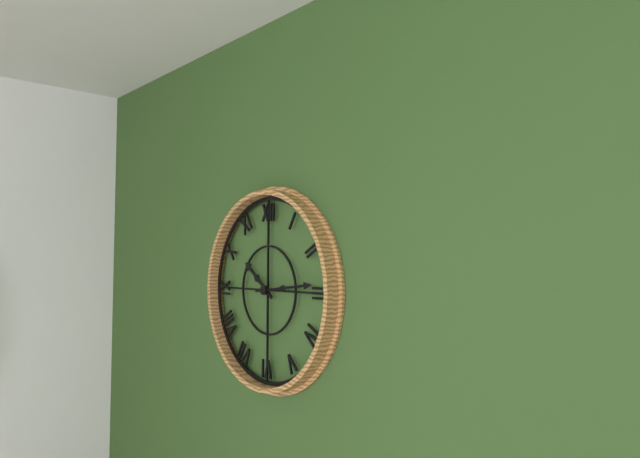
10:14
